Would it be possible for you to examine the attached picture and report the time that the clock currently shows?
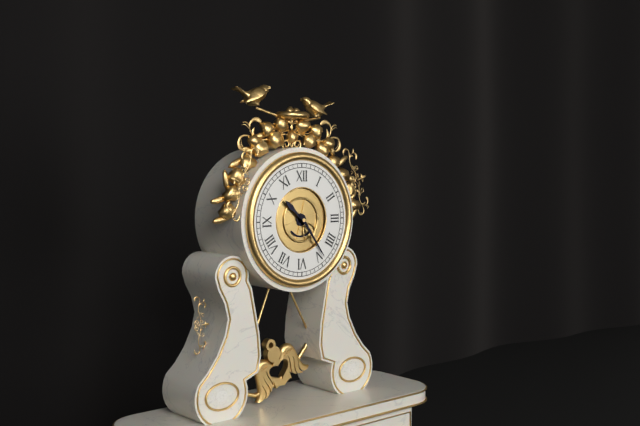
10:24
